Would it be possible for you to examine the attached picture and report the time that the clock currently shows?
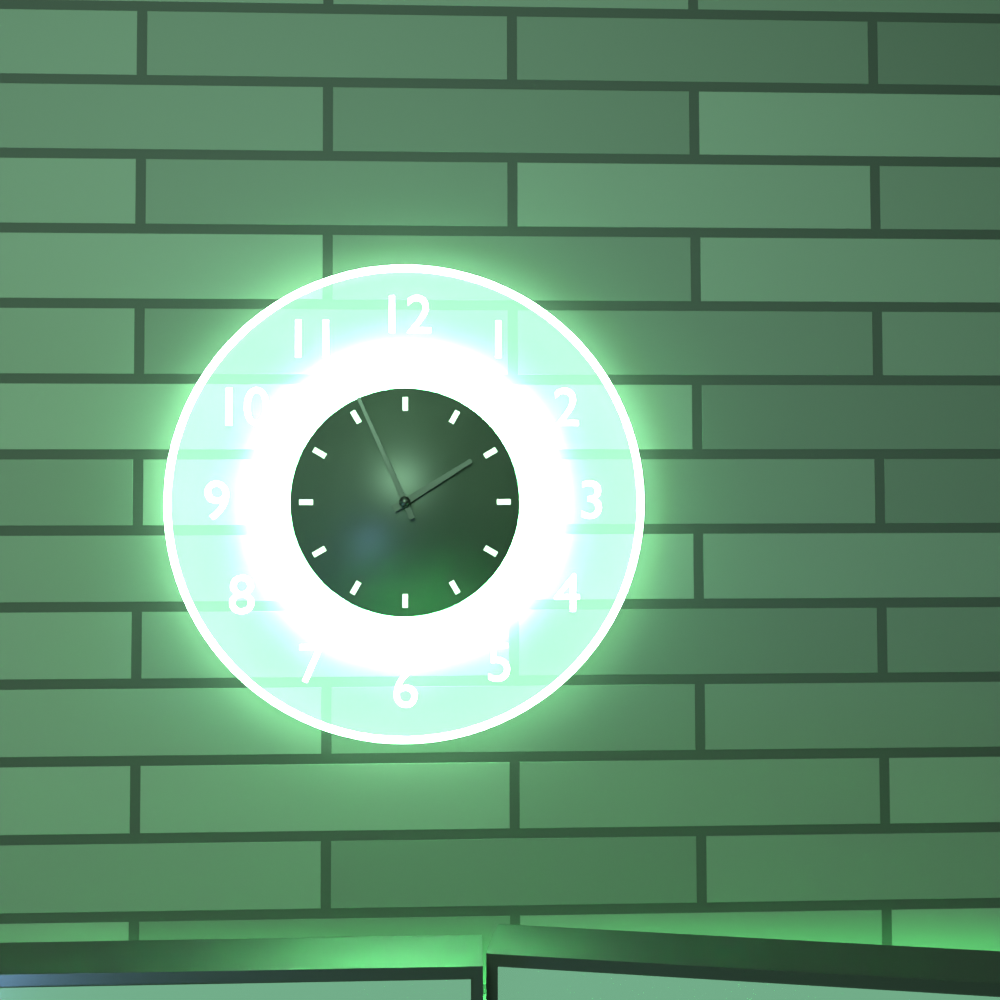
1:56
